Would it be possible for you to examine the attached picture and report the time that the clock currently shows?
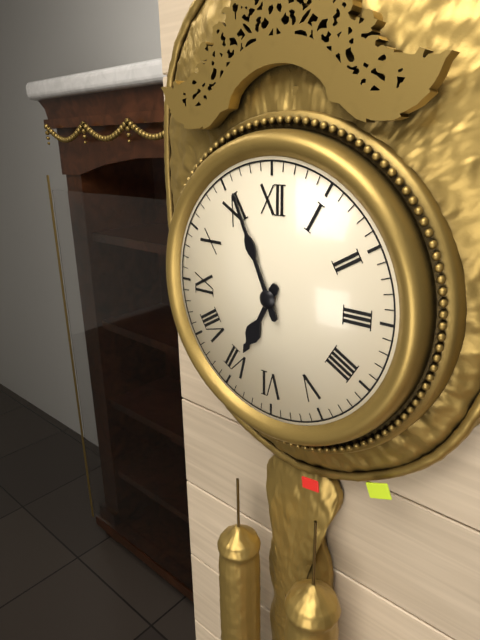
6:56
